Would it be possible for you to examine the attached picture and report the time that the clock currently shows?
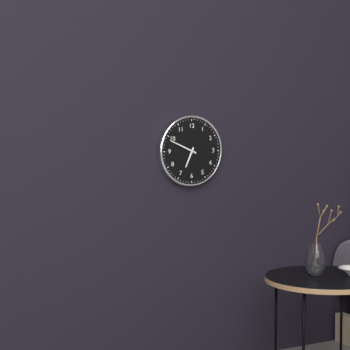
6:49
